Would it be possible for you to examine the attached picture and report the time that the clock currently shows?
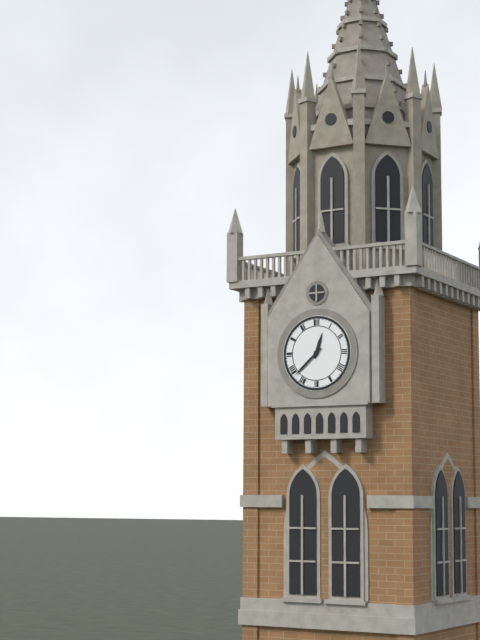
12:38
